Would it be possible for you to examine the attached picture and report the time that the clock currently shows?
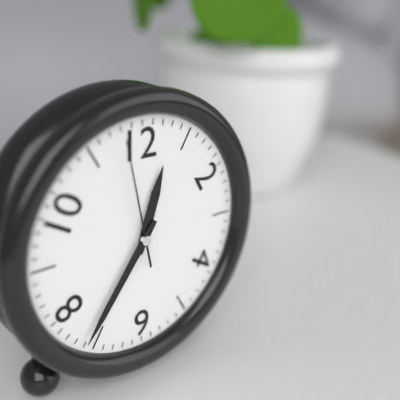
12:36:58
